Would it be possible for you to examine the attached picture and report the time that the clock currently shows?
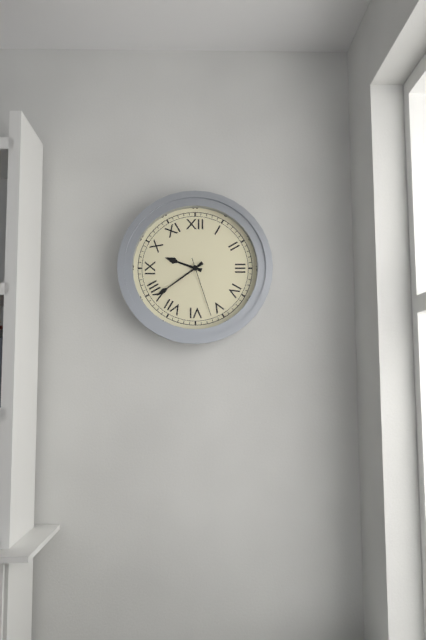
9:39:27
